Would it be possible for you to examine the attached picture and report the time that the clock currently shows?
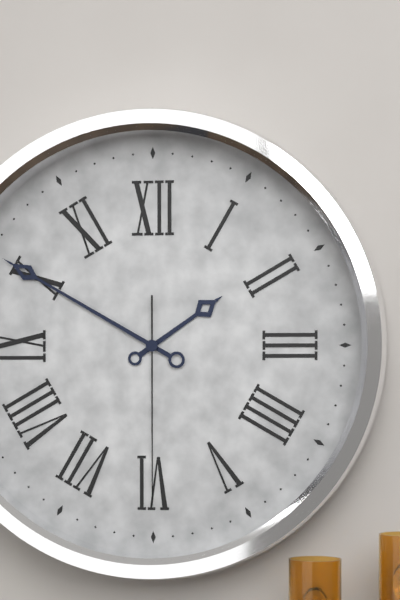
1:50:30
